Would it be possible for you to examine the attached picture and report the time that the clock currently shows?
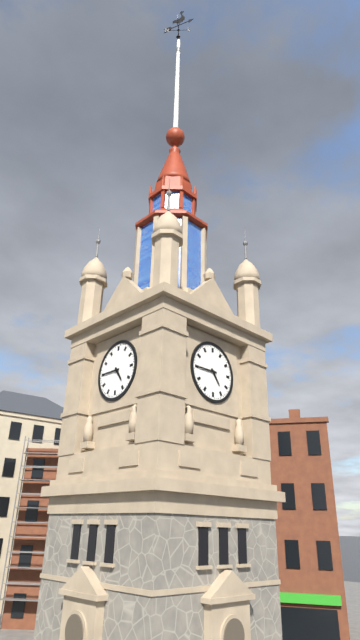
4:45
